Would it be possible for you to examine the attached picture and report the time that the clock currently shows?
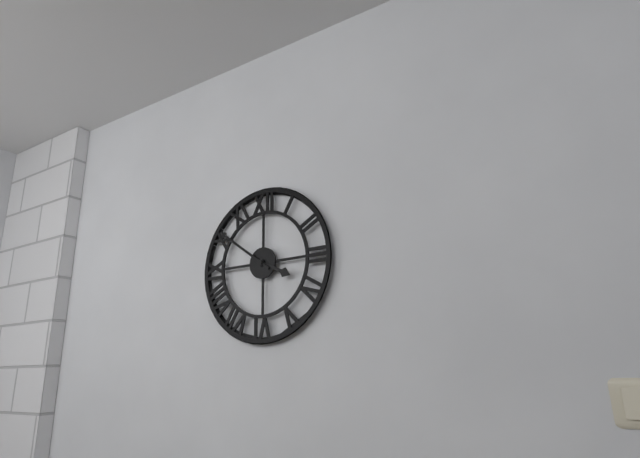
3:51
